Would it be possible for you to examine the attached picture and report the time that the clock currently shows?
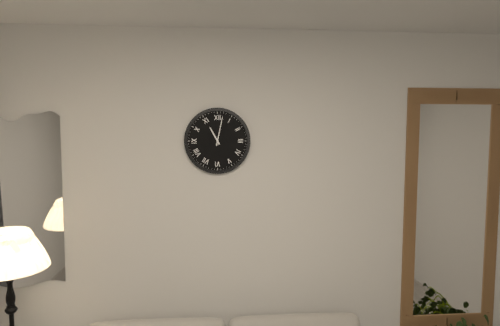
11:02
